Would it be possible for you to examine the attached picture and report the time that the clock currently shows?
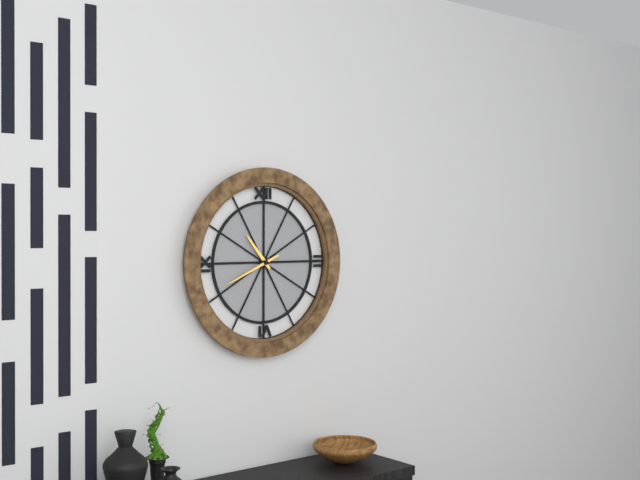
10:41
